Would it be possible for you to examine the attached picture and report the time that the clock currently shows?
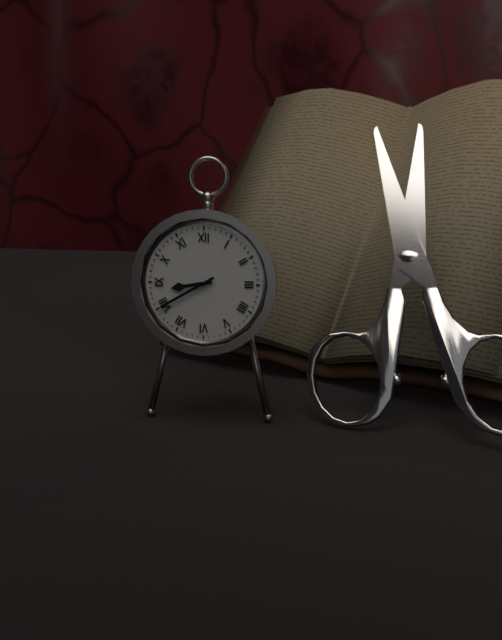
8:40
